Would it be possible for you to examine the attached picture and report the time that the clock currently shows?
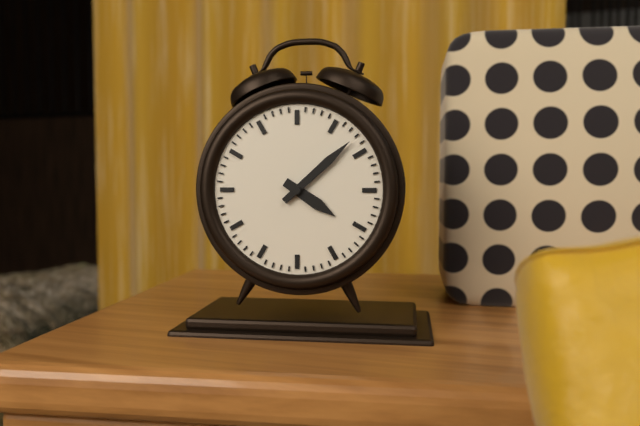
4:08
